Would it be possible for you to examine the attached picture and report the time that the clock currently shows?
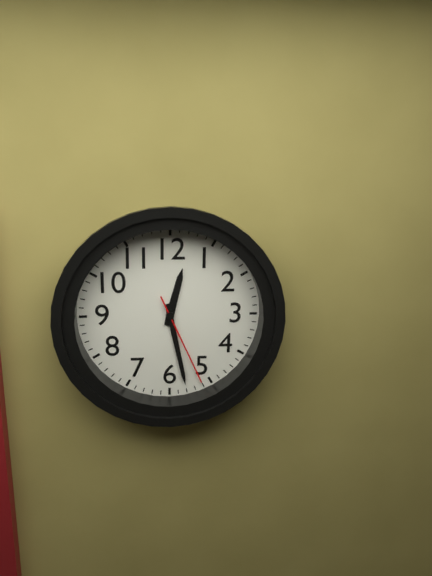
12:28:26
